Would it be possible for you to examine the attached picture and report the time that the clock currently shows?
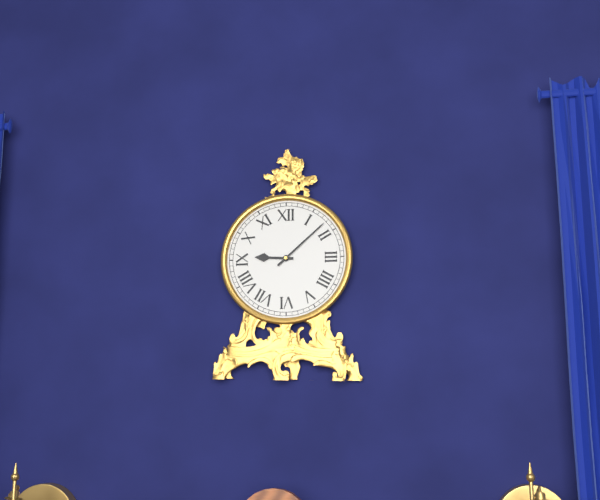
9:08
